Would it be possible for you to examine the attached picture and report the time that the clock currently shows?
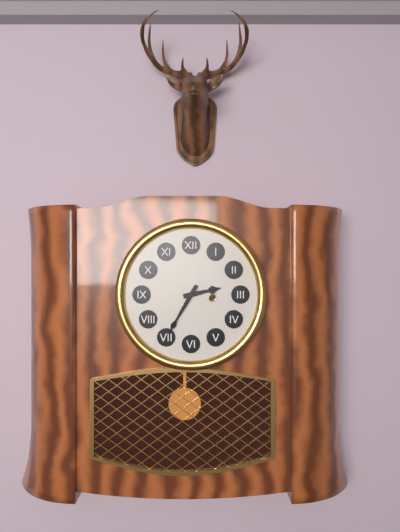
2:35
